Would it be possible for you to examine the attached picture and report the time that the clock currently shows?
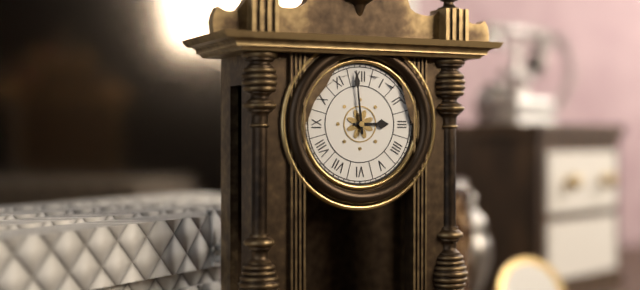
2:59
